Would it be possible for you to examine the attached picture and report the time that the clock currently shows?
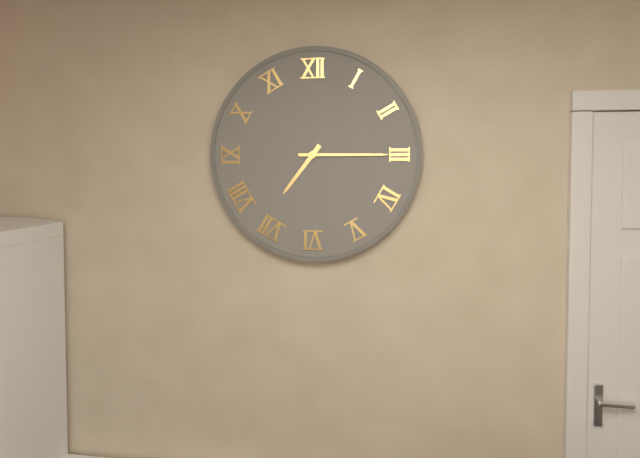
7:15
